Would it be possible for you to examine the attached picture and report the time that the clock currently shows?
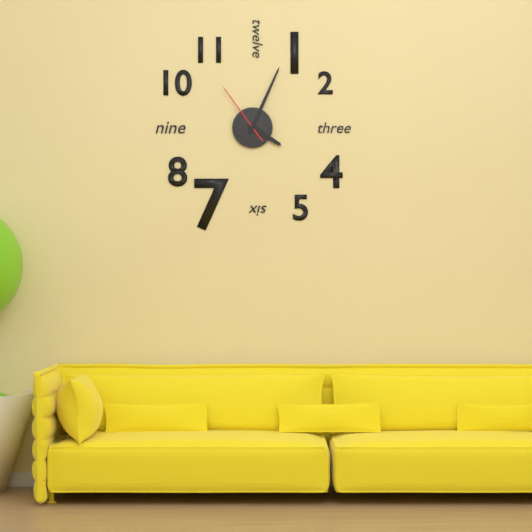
4:04:54
